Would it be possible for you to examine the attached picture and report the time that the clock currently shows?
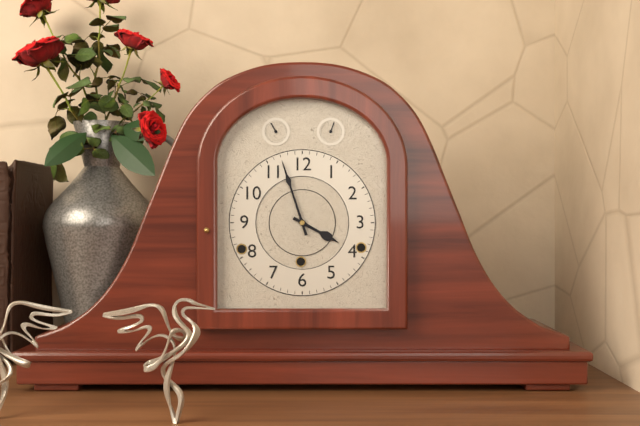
3:57
